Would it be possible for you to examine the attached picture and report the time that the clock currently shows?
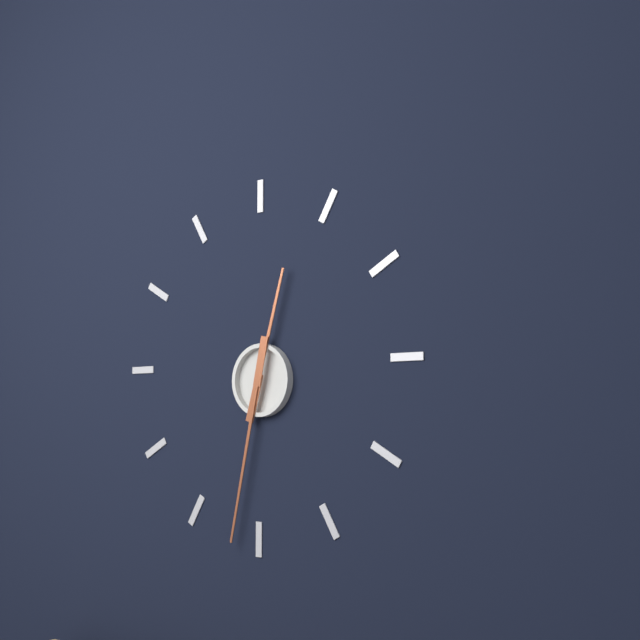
12:32
